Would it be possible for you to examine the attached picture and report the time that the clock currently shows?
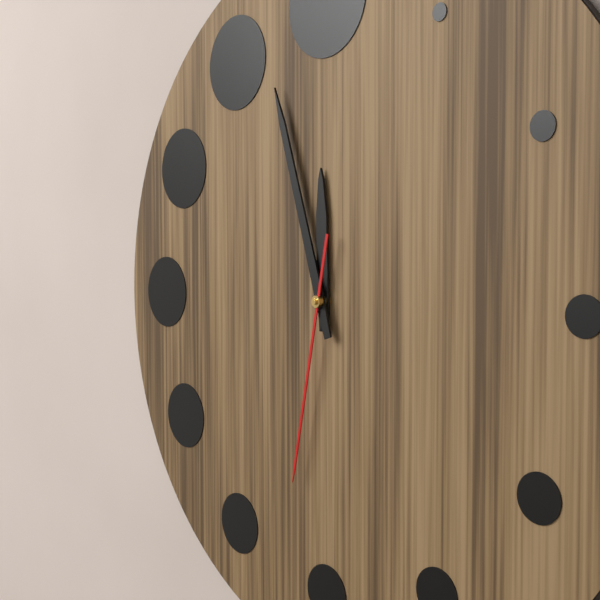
11:57:32
